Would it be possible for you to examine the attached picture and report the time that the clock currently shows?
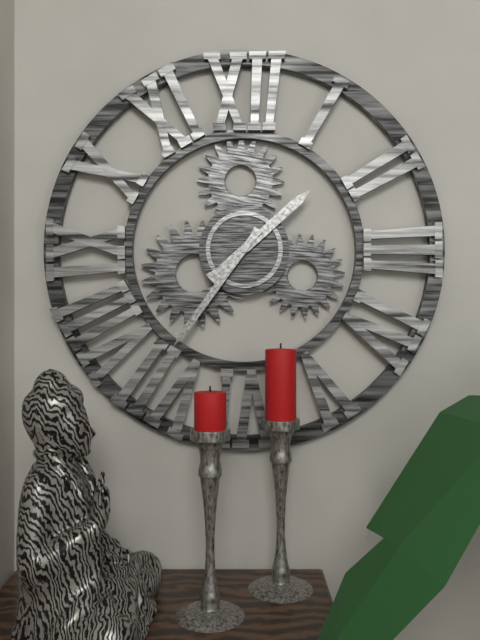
1:36
